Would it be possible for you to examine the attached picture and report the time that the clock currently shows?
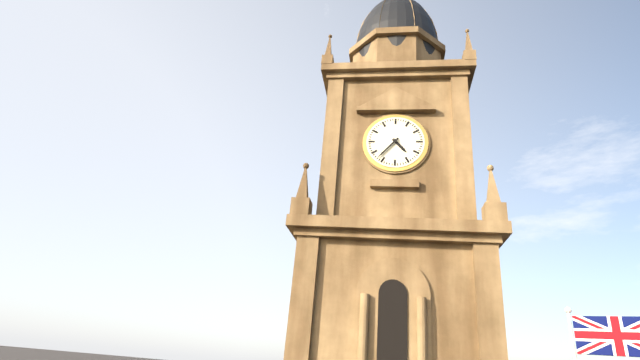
4:37
